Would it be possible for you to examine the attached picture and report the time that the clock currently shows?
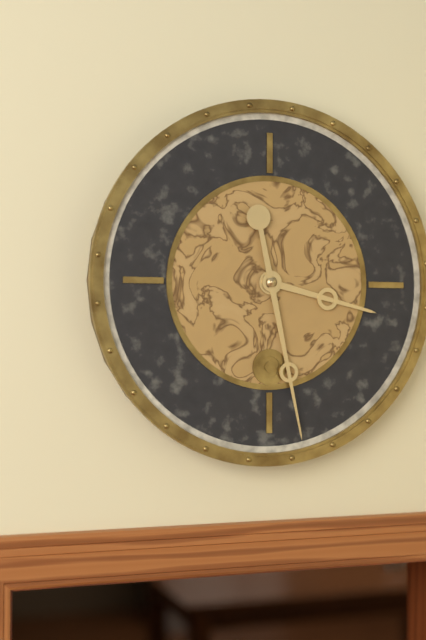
3:28
